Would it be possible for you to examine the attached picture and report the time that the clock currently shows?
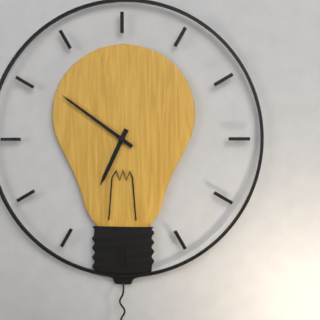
6:51
